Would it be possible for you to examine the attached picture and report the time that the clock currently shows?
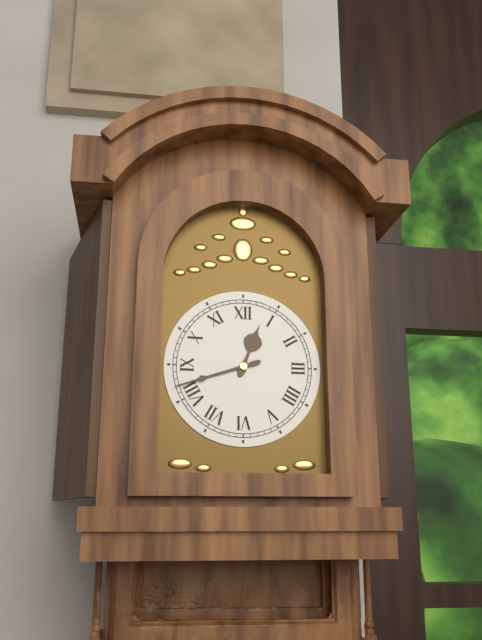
12:42
